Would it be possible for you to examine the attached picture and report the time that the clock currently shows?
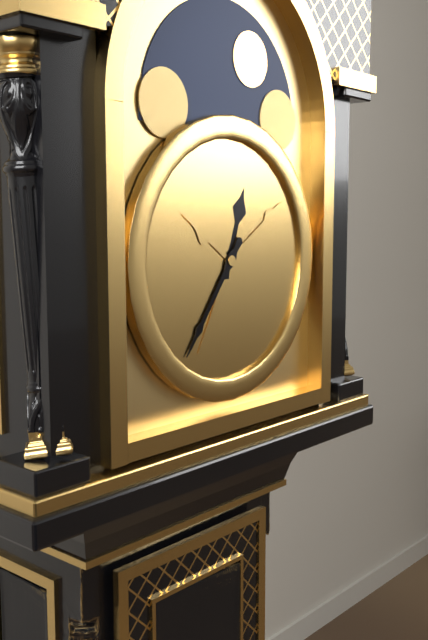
12:36
